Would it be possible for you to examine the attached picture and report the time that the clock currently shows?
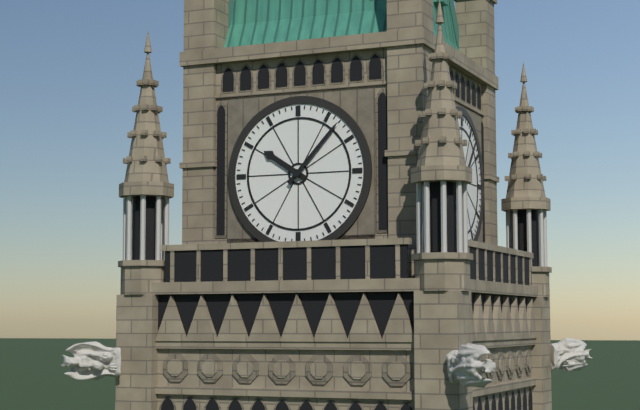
10:07
